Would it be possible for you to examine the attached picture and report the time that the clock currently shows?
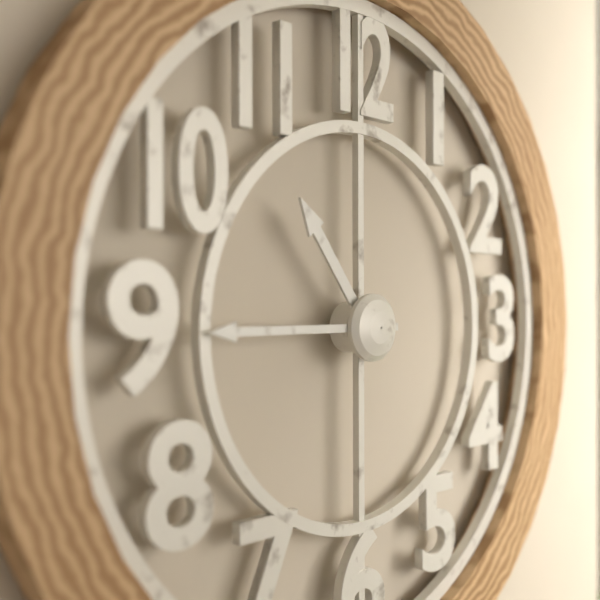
10:45
